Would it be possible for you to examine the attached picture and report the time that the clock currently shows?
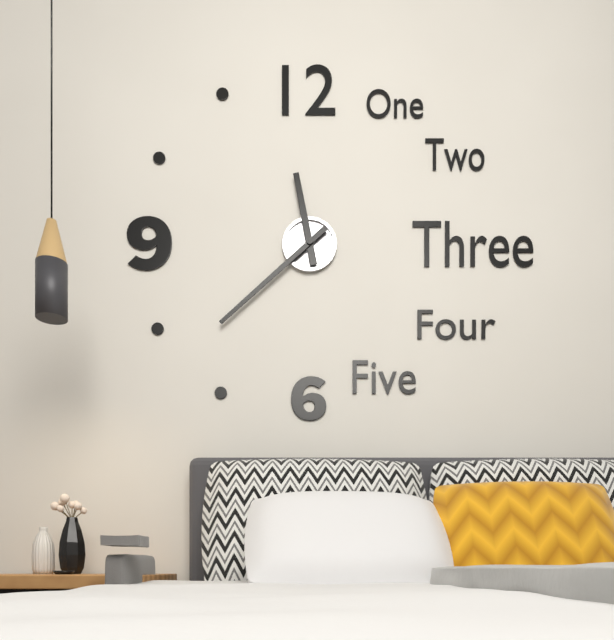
11:38
